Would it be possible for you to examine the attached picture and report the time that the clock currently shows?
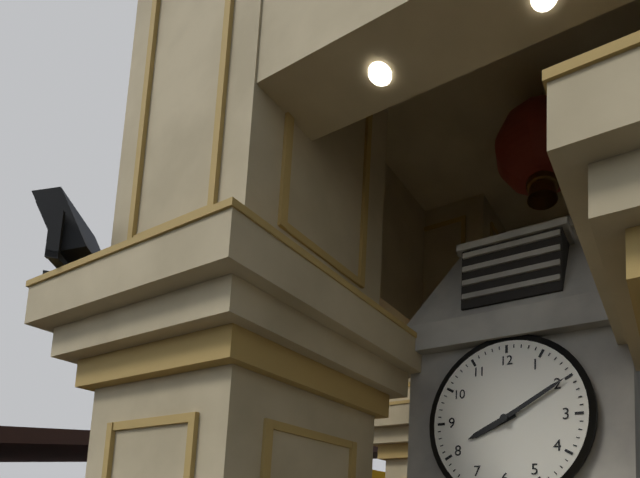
8:10
